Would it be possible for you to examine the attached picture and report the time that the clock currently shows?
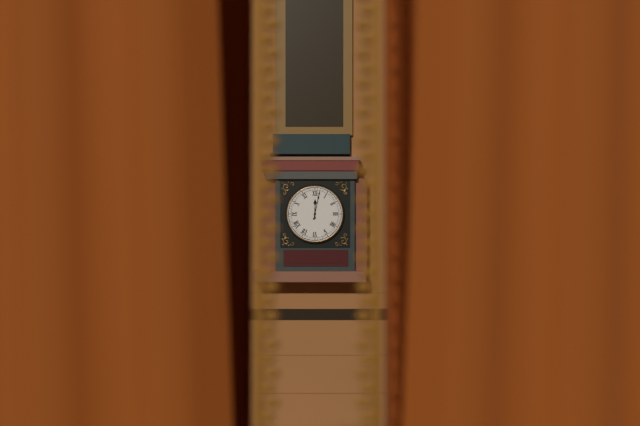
12:02
